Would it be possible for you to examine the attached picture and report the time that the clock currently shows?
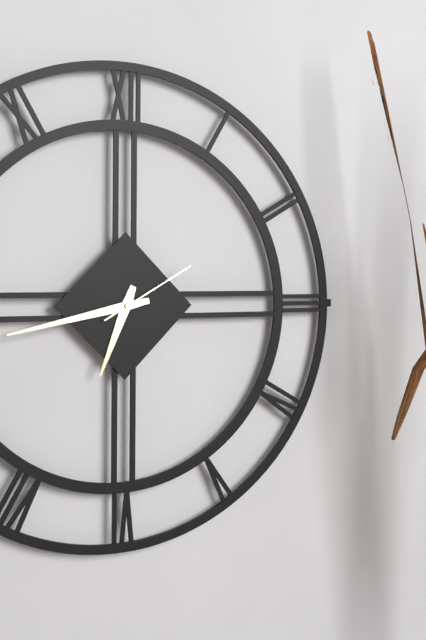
6:43:10
